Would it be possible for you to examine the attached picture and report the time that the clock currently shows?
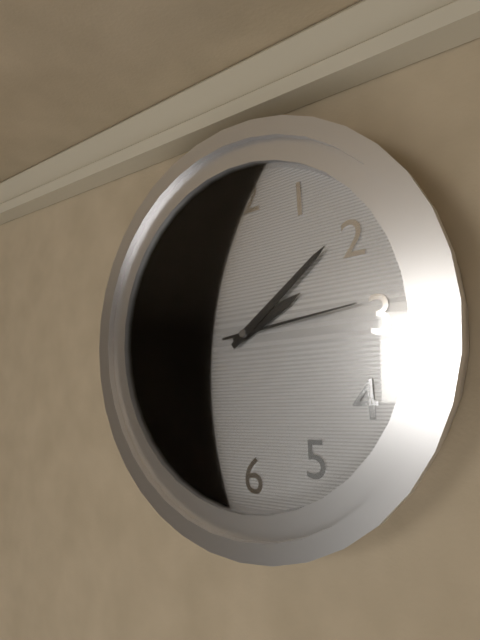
2:09:14
